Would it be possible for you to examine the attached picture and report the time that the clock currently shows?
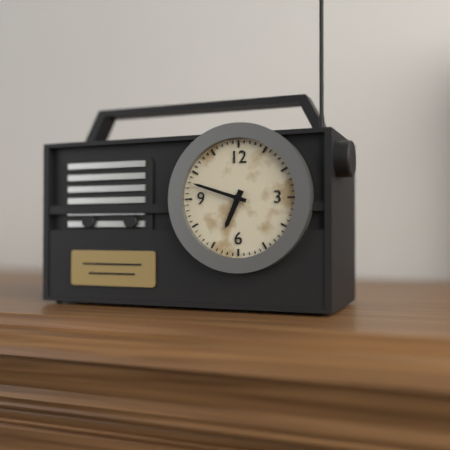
6:48
